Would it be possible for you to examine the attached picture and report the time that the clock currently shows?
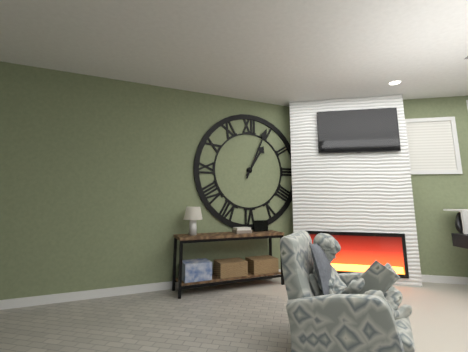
1:04
